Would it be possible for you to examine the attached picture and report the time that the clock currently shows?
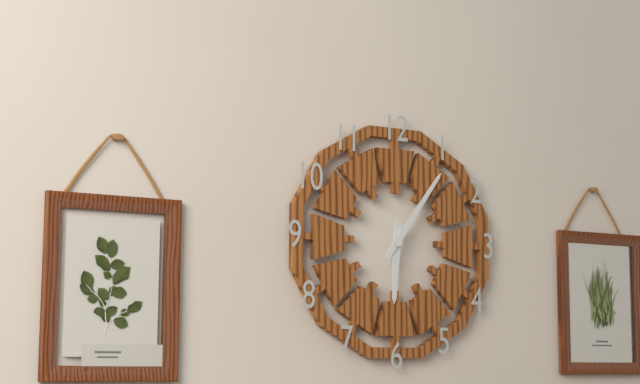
6:06
